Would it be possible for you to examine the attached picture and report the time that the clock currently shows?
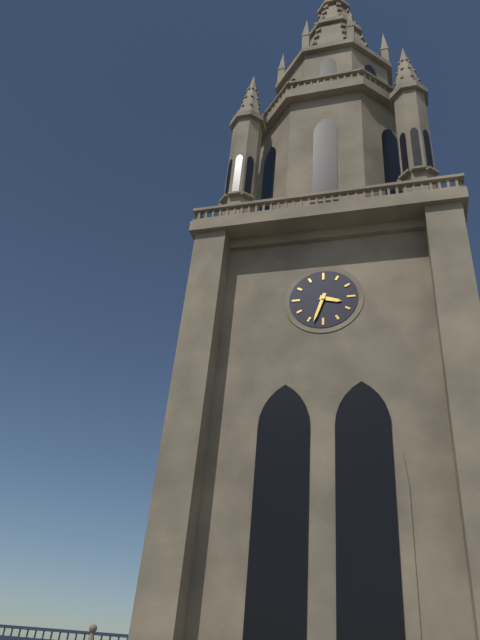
3:33
